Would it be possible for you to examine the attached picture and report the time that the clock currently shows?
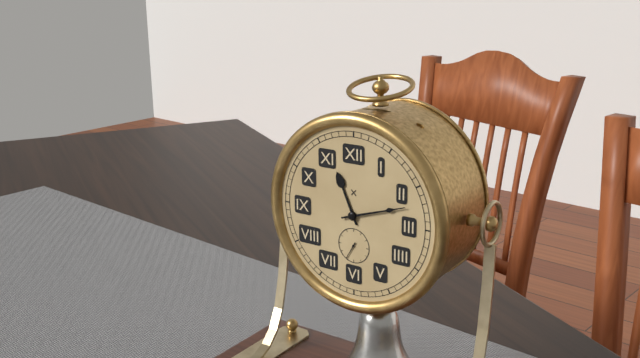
11:12
